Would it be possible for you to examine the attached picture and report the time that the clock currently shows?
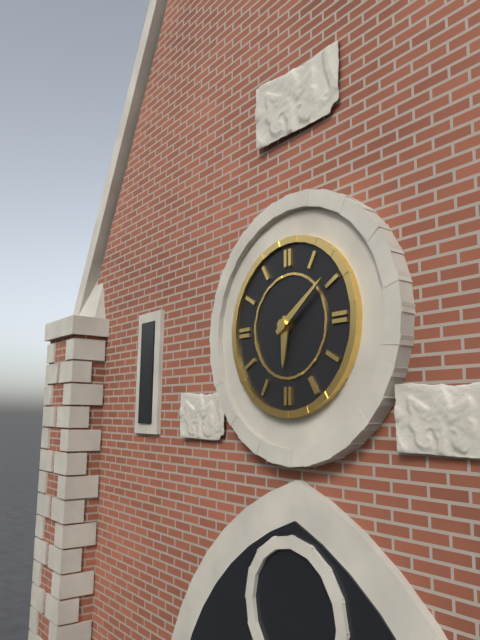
6:09
